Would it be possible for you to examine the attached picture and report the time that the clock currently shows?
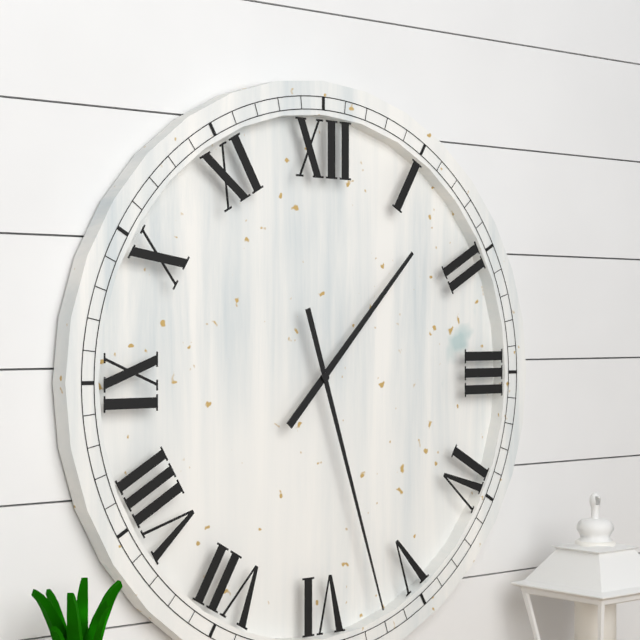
1:27
